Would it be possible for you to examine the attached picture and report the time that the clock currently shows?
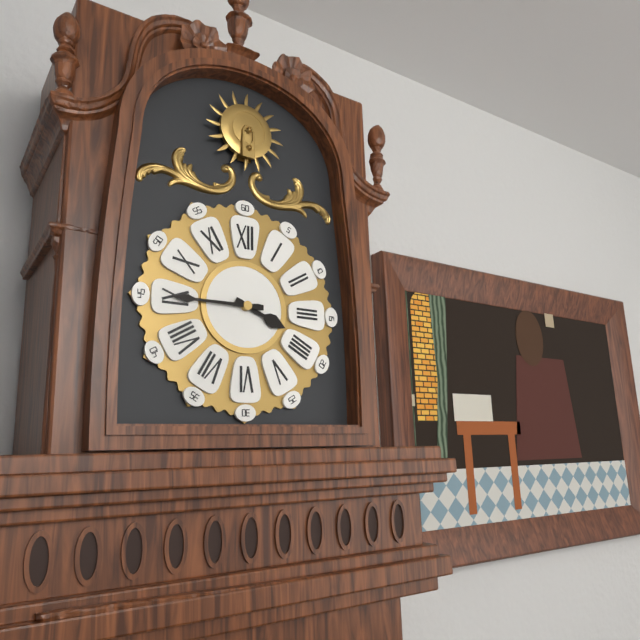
3:45
